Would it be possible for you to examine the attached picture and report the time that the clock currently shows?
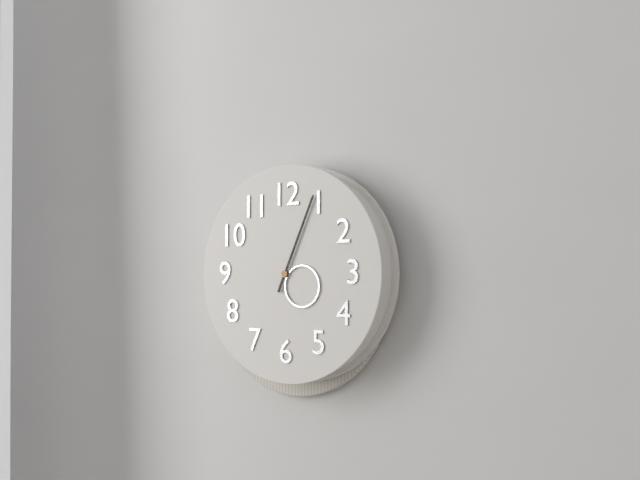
4:04
